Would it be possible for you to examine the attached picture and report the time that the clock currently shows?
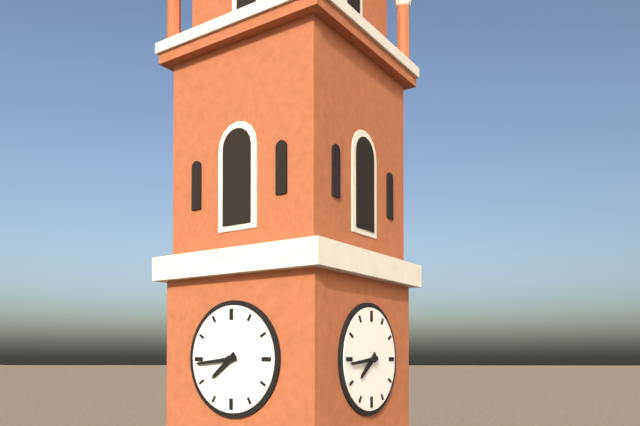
7:44
